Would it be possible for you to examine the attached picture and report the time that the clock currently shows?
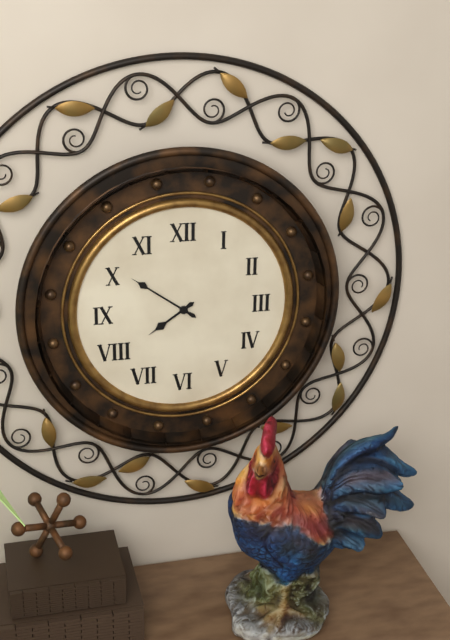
7:51
